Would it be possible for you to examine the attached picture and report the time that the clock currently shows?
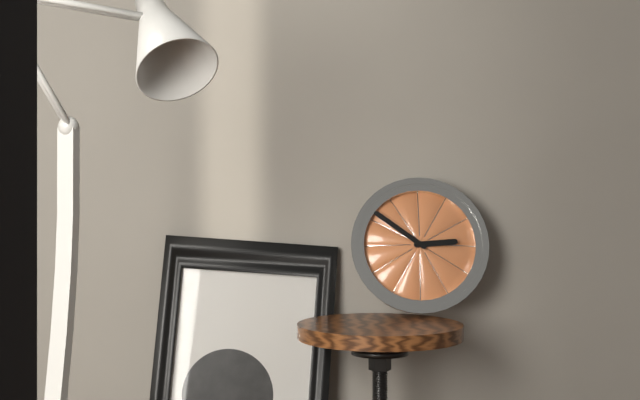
2:51
